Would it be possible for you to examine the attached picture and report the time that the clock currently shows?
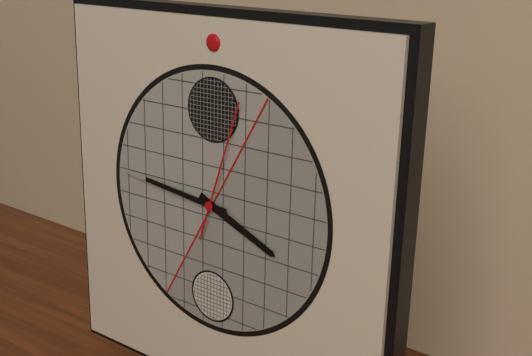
3:46:03
